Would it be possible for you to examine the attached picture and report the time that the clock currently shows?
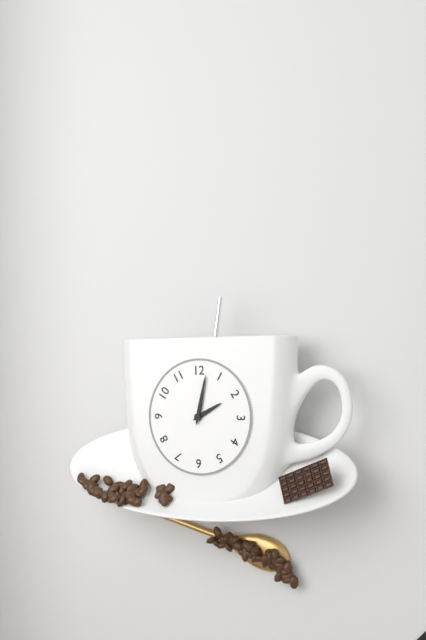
2:02
